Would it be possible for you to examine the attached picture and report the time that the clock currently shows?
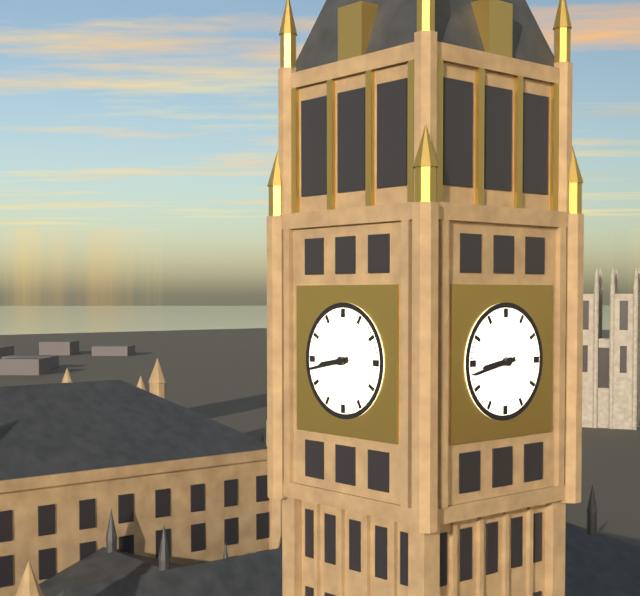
8:43
